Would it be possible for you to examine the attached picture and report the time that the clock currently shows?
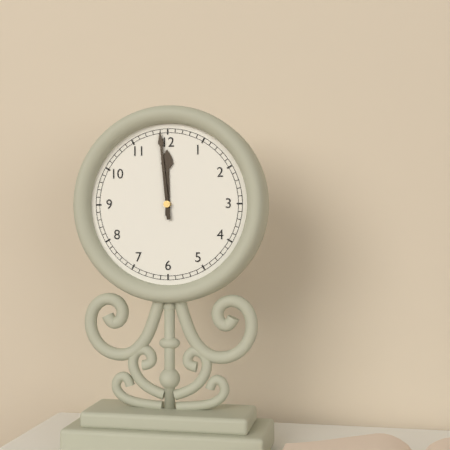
11:59
